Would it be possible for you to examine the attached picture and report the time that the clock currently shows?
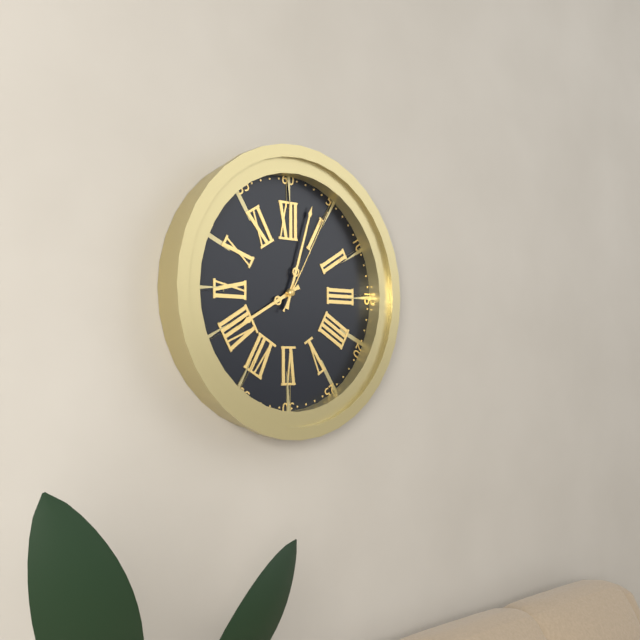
8:03:05
